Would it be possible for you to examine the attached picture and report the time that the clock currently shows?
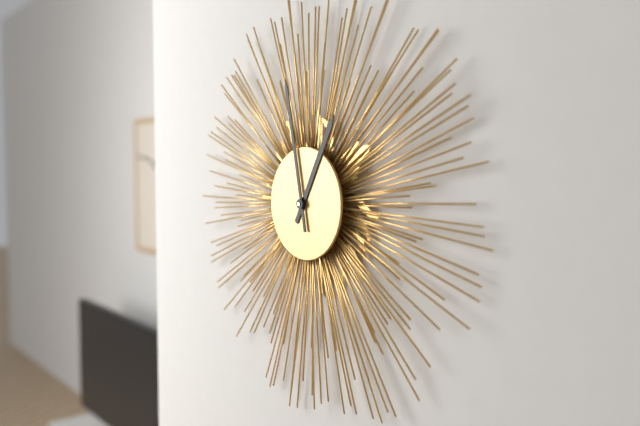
12:58
